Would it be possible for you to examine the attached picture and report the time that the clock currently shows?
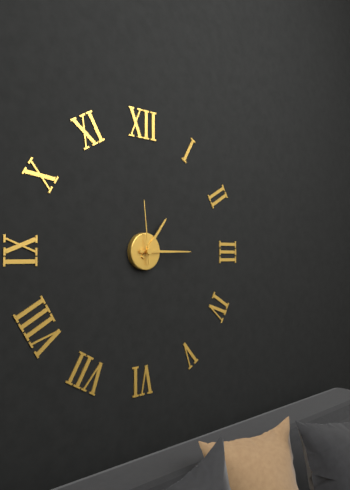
1:15:59
